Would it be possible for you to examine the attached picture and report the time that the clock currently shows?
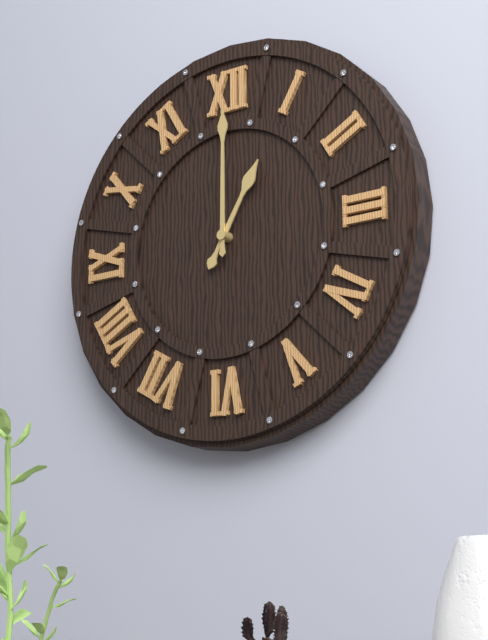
1:00
